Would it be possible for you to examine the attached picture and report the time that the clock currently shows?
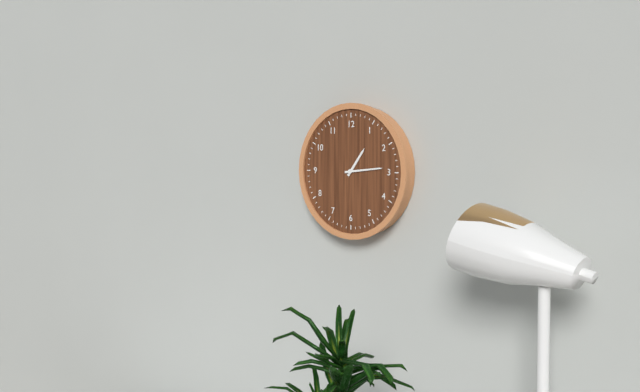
1:14
